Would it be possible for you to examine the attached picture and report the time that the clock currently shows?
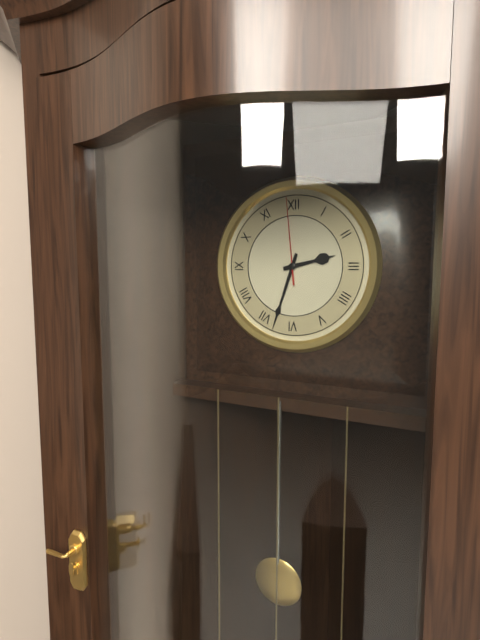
2:33:59
